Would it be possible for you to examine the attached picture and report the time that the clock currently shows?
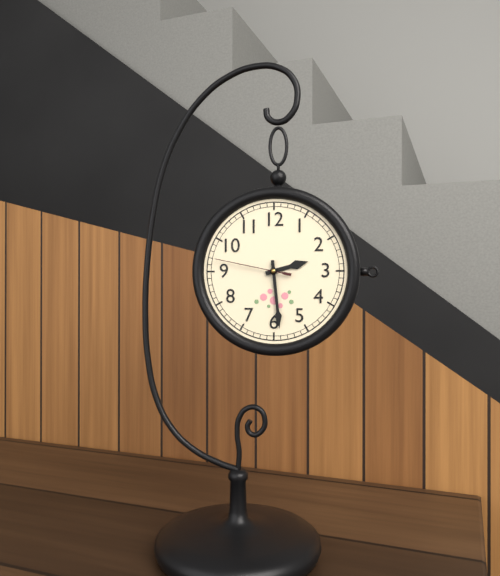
2:29:47
